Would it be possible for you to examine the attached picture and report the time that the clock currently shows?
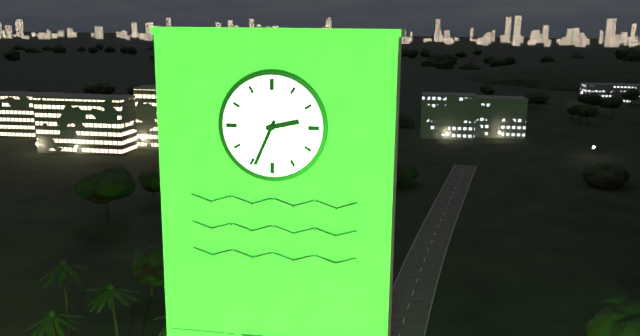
2:34
